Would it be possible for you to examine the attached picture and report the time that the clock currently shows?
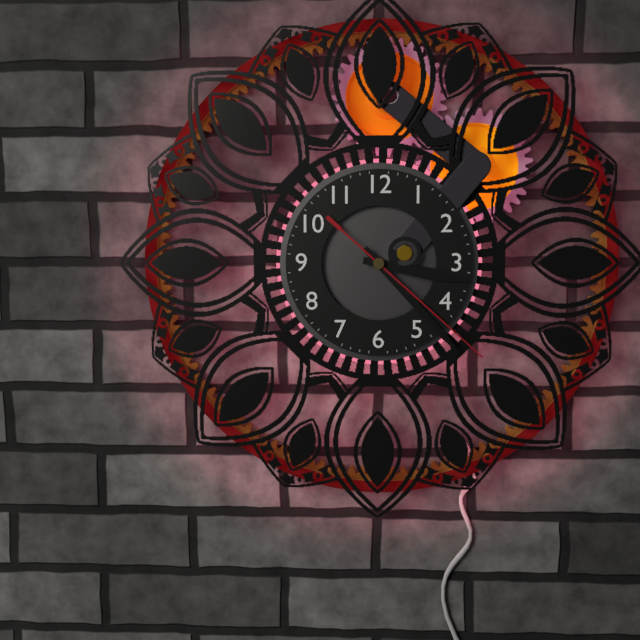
3:23:22
